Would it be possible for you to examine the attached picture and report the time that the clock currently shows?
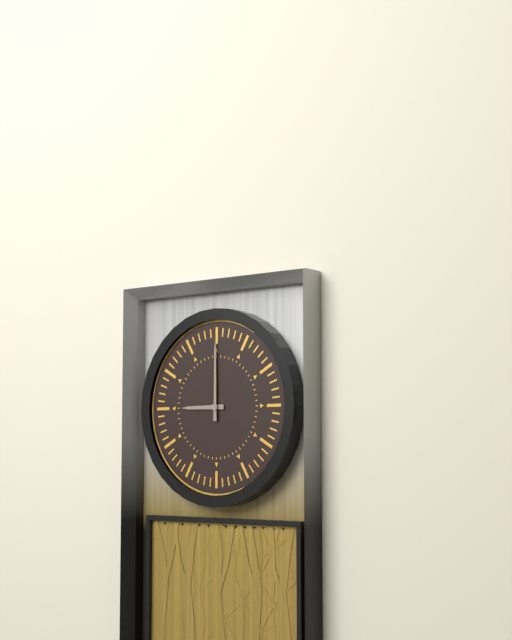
9:00
